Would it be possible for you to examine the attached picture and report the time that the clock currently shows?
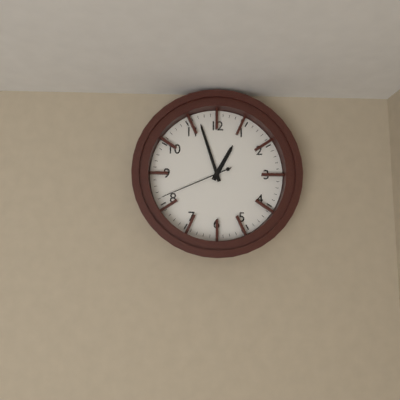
12:57:41
